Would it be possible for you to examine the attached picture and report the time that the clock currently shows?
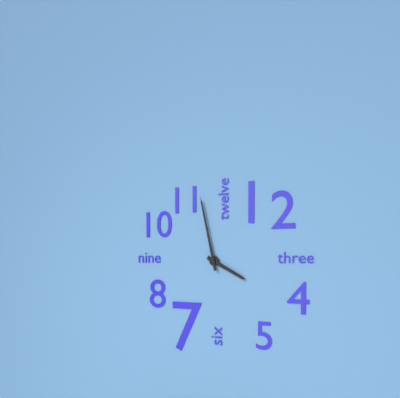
3:58
